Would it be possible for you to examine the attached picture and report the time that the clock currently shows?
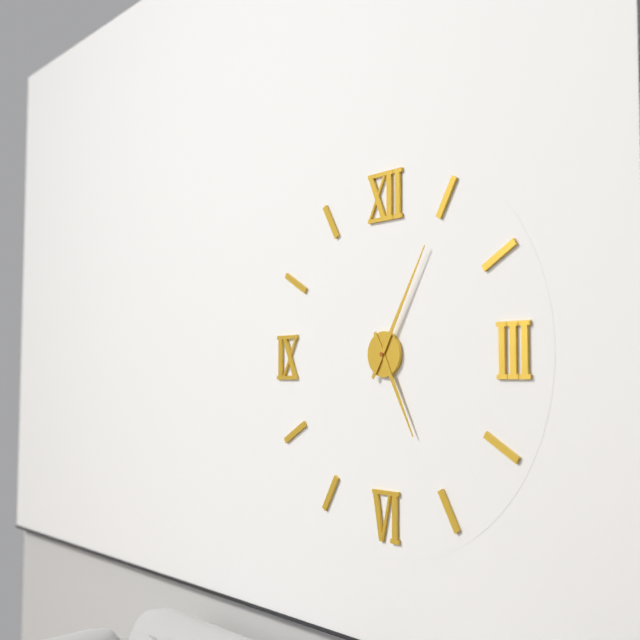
5:05
